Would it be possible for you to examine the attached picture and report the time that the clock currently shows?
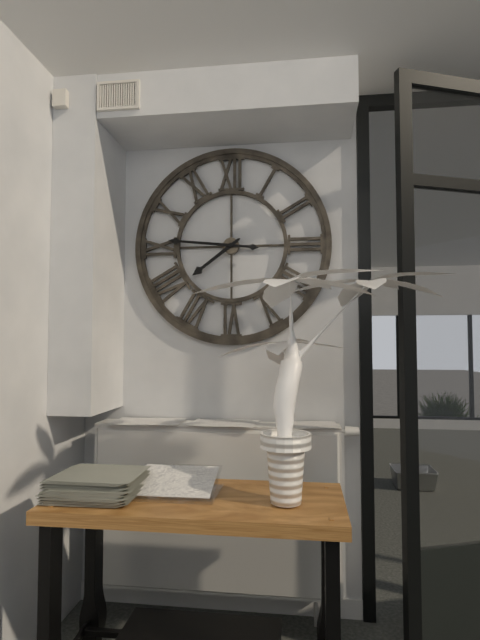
7:46
